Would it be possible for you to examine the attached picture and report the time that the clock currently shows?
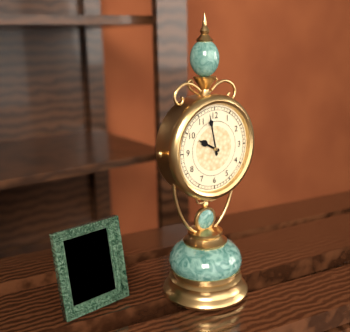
9:58
